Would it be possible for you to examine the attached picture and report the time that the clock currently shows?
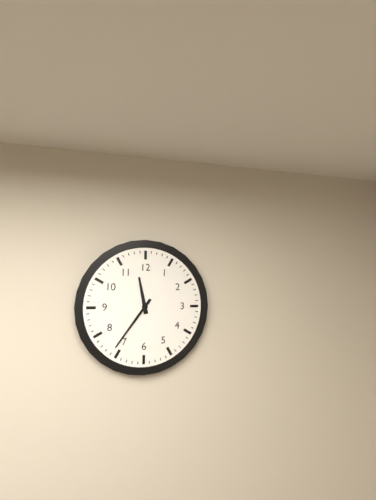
11:36
